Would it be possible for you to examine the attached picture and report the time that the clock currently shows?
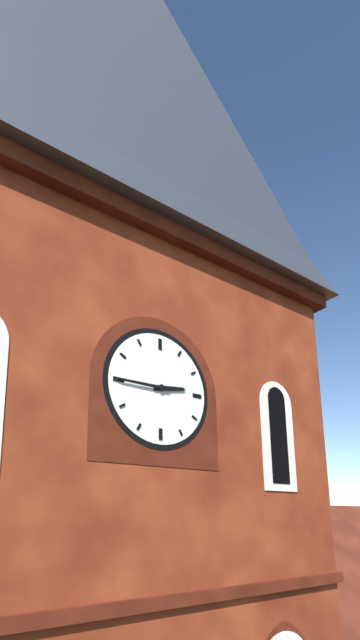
2:45
